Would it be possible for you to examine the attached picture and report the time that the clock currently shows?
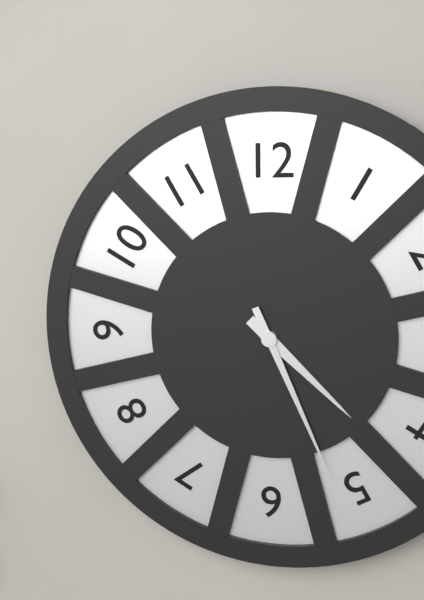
4:26
